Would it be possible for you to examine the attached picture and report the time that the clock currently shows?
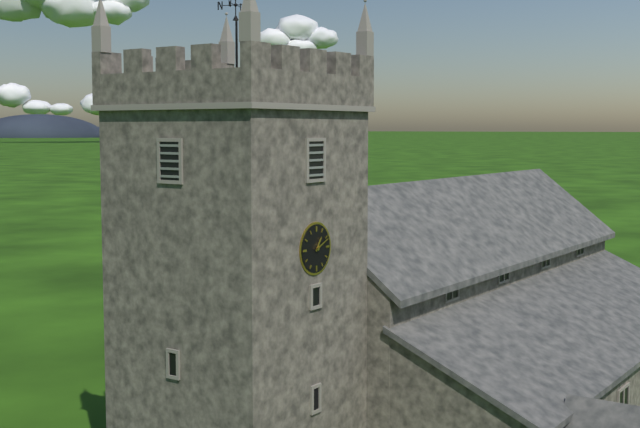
1:11
